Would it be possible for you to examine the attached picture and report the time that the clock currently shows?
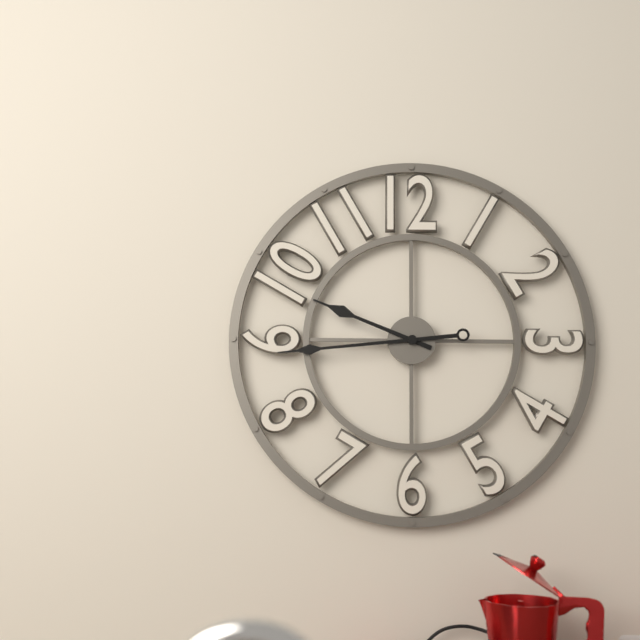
9:44
